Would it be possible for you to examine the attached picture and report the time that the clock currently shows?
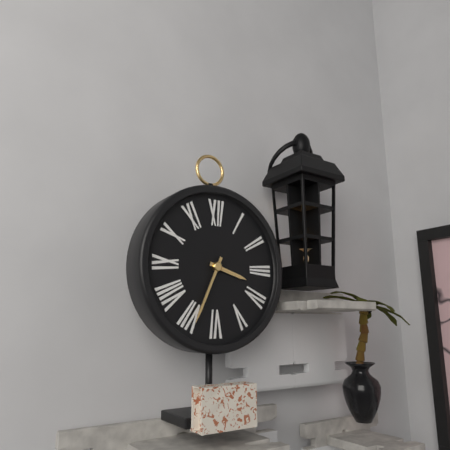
3:34
